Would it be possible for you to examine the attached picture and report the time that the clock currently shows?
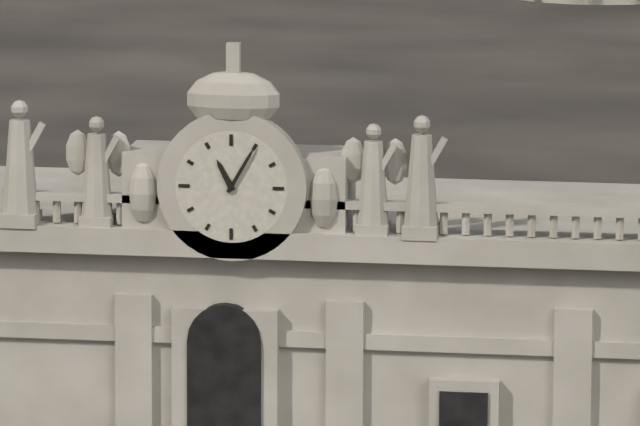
11:05
